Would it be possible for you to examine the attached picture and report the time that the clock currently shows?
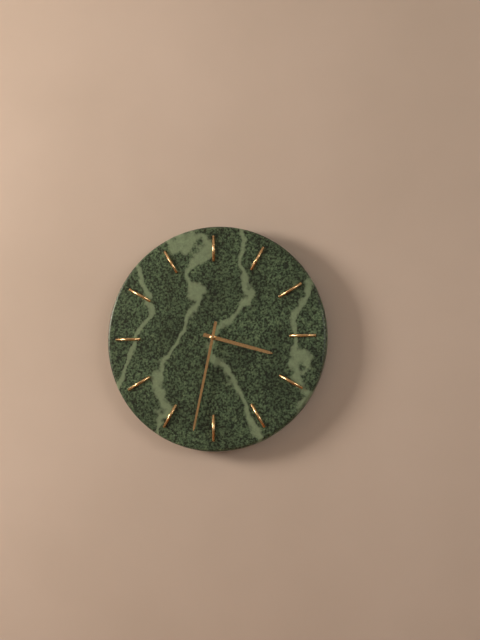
3:32
